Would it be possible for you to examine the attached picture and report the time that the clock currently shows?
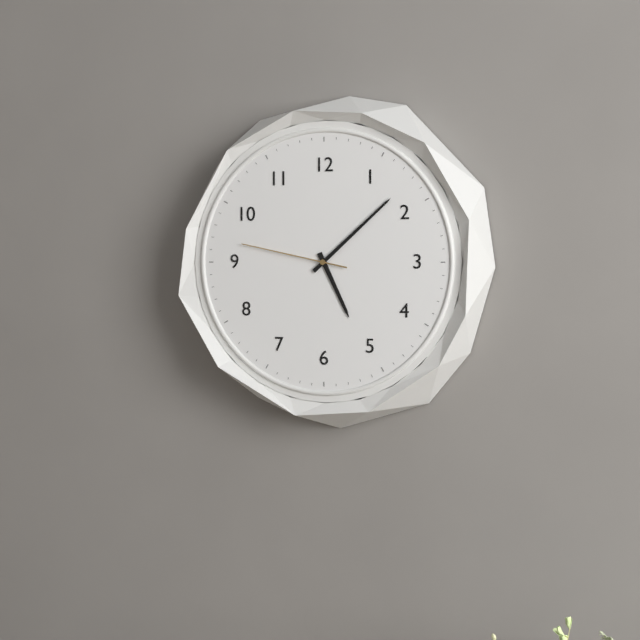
5:08:47
